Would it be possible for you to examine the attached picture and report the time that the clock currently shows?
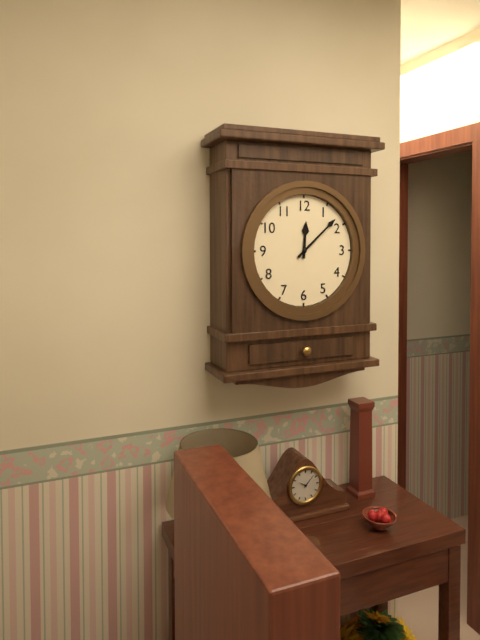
12:08
